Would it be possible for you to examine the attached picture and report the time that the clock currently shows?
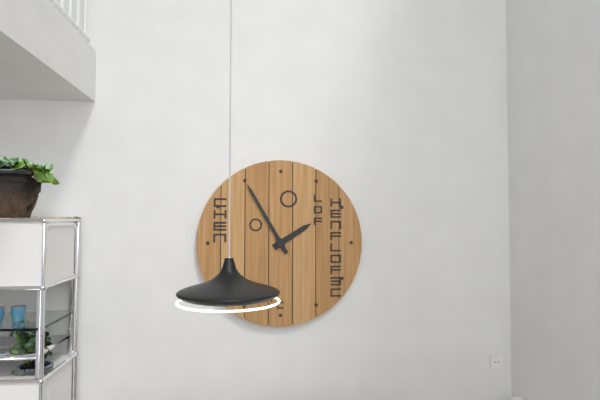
1:55
